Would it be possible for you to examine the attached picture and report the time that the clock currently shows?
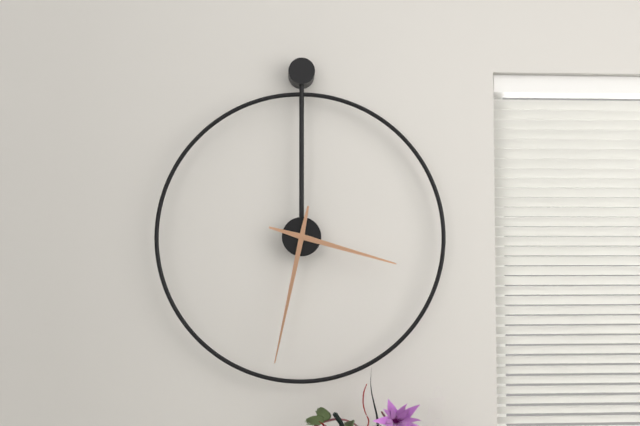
3:32
